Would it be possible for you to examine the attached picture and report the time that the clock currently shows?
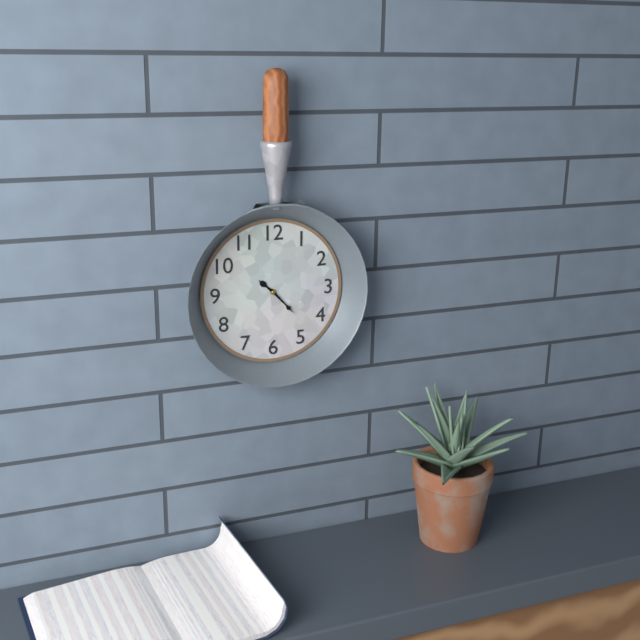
10:23
